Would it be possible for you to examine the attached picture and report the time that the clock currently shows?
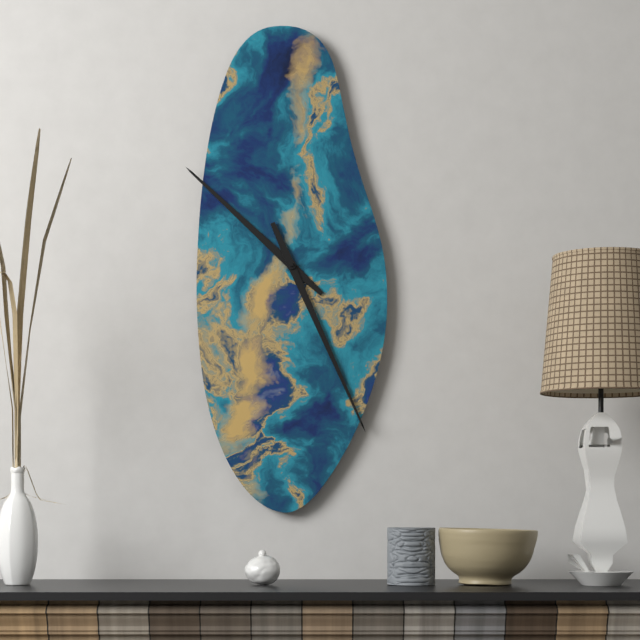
10:26
